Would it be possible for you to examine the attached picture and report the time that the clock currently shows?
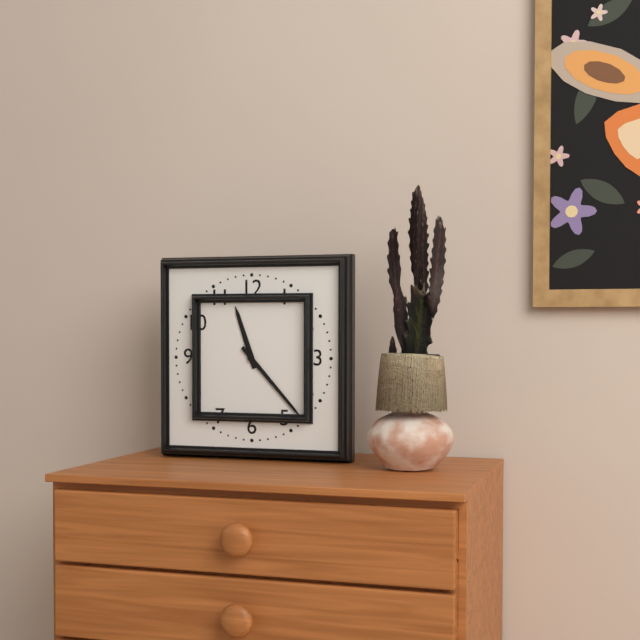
11:23
